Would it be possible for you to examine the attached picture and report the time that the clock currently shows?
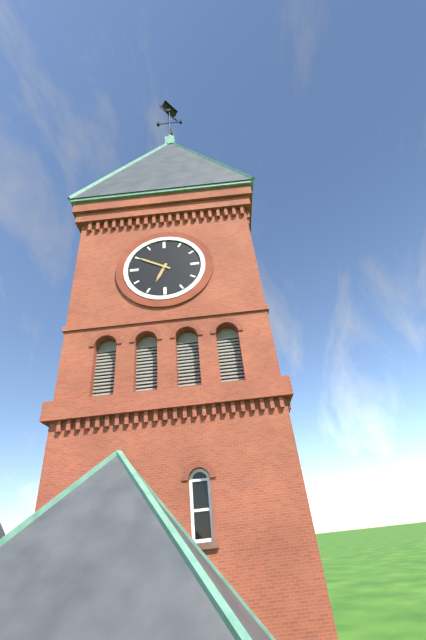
6:50
